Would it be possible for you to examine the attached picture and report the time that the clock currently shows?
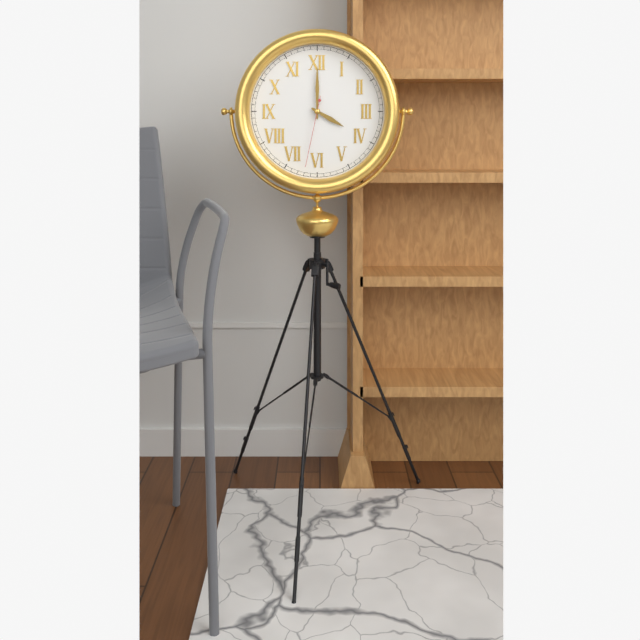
4:00:32
